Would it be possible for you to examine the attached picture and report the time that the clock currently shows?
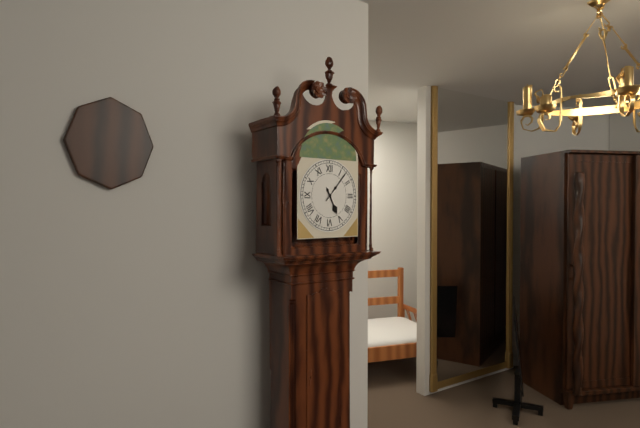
5:07
